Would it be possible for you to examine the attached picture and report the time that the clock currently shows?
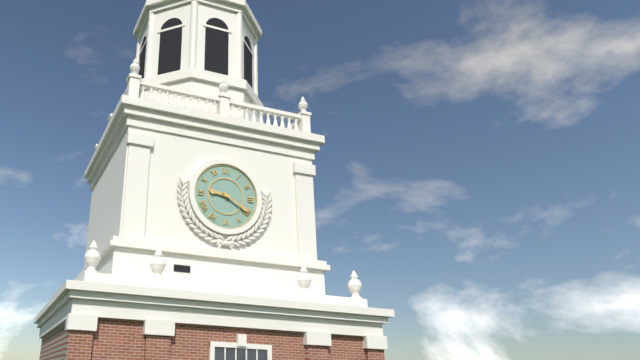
9:20
